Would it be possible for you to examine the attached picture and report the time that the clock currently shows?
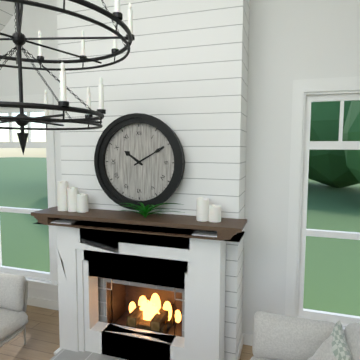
10:10
